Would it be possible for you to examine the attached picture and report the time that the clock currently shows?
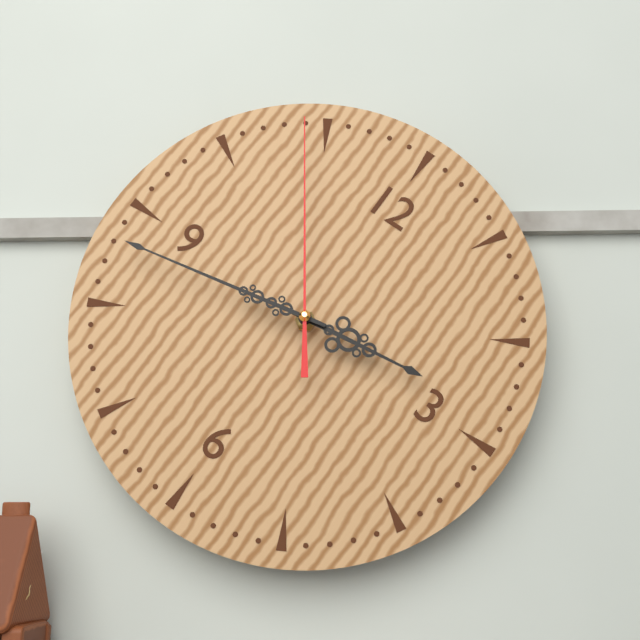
2:43:54
